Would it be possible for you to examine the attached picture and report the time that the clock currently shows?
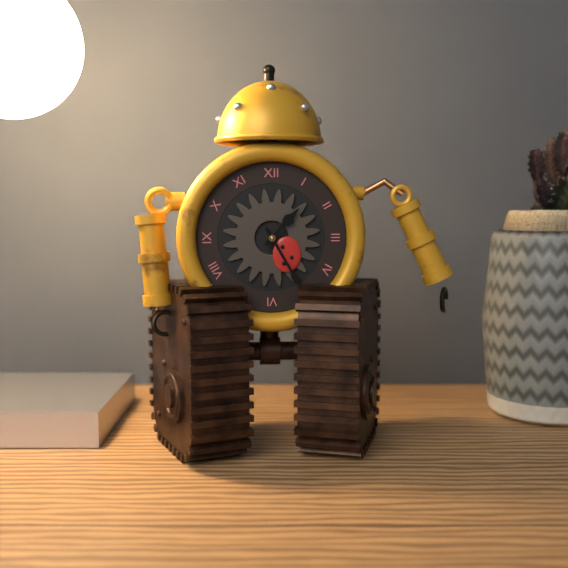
1:25
